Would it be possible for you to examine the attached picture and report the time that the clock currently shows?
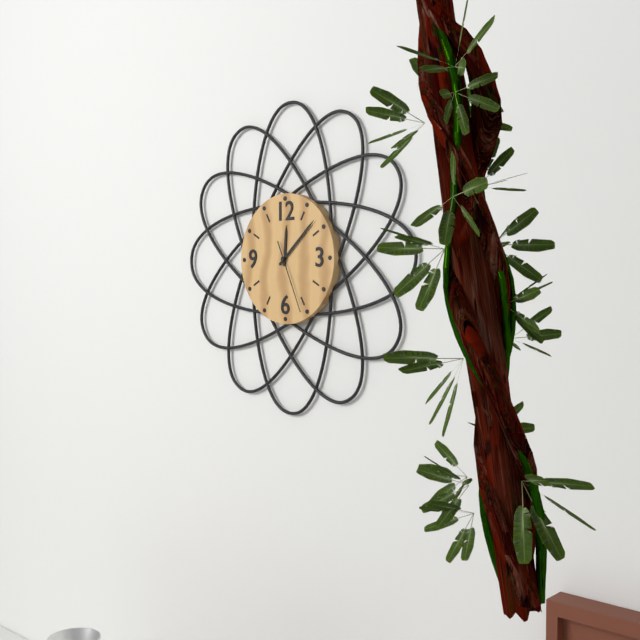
12:08:26
